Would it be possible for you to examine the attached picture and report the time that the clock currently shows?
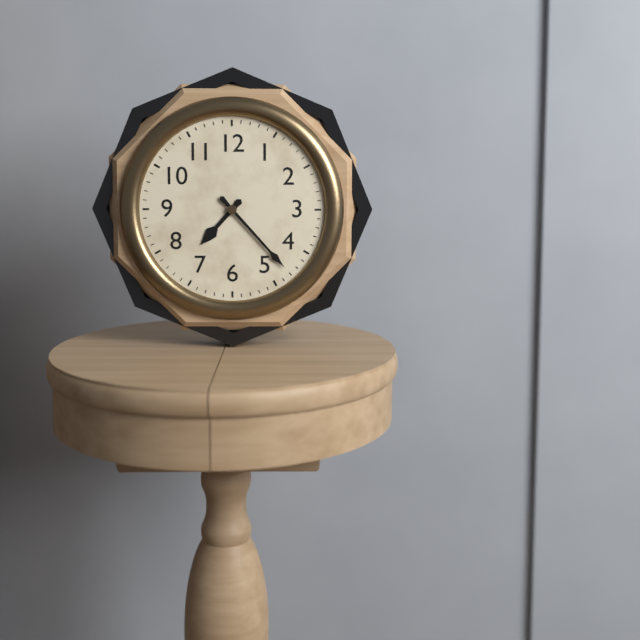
7:23
